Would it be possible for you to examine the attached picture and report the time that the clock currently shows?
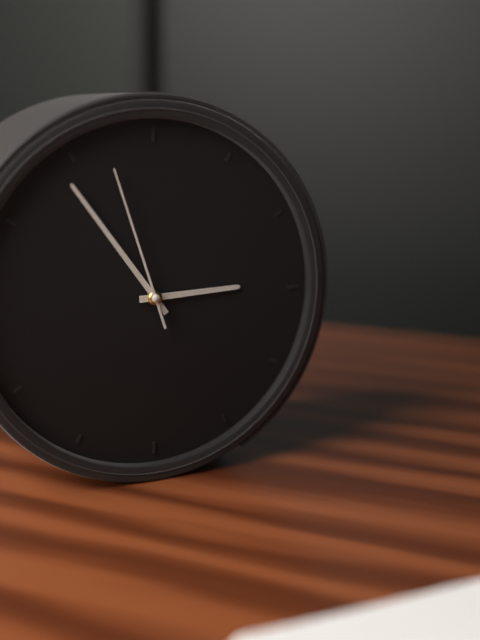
2:54:57
